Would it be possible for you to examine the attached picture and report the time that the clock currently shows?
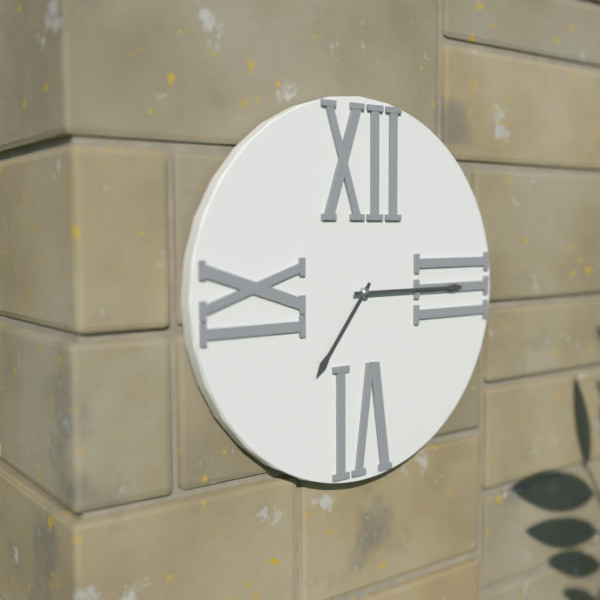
7:15
